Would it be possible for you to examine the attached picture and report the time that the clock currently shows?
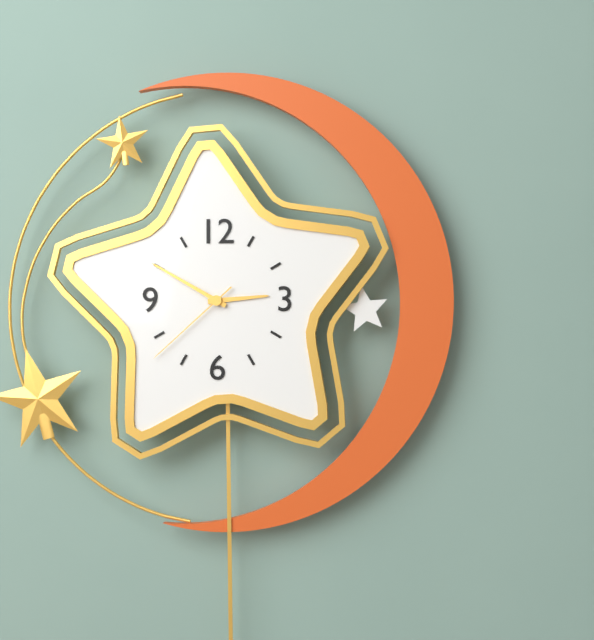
2:50:38
